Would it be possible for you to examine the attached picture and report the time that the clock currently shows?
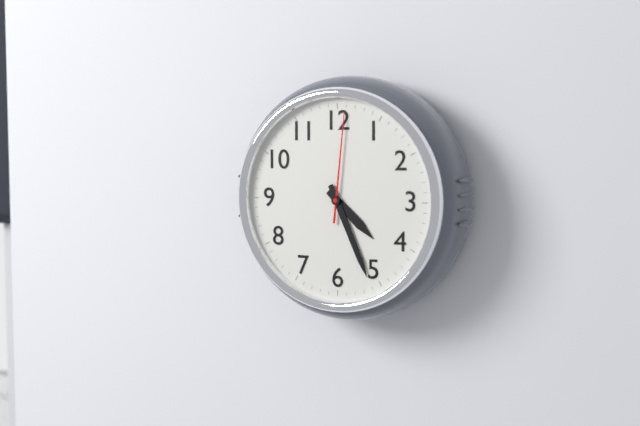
4:26:01
